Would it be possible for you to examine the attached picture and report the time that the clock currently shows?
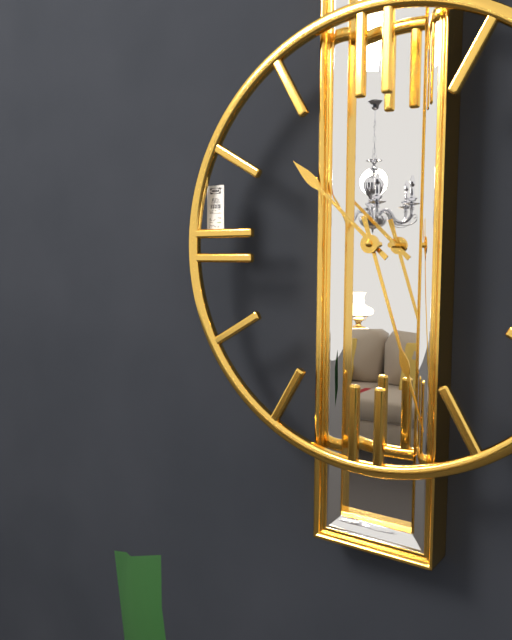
10:27
